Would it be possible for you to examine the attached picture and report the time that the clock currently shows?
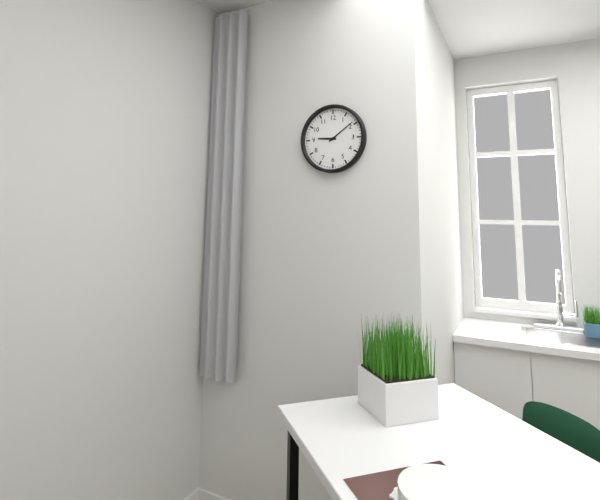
9:09
